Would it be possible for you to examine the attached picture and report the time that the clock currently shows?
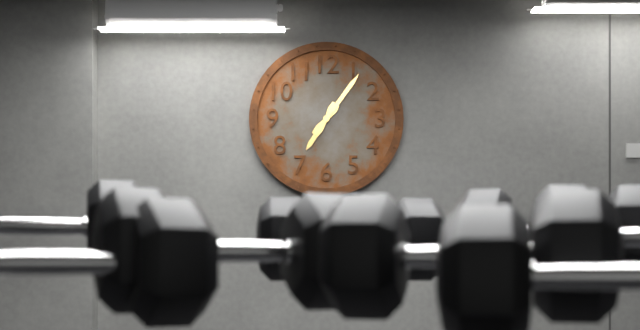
7:06
